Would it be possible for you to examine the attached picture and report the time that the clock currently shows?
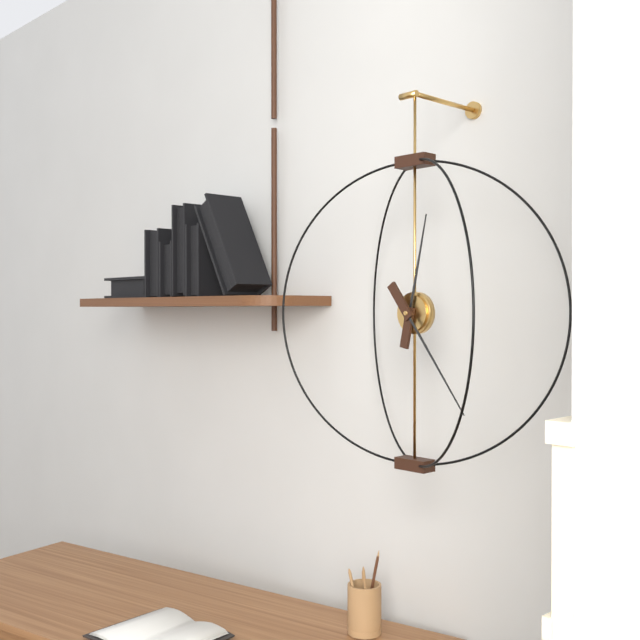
12:24
